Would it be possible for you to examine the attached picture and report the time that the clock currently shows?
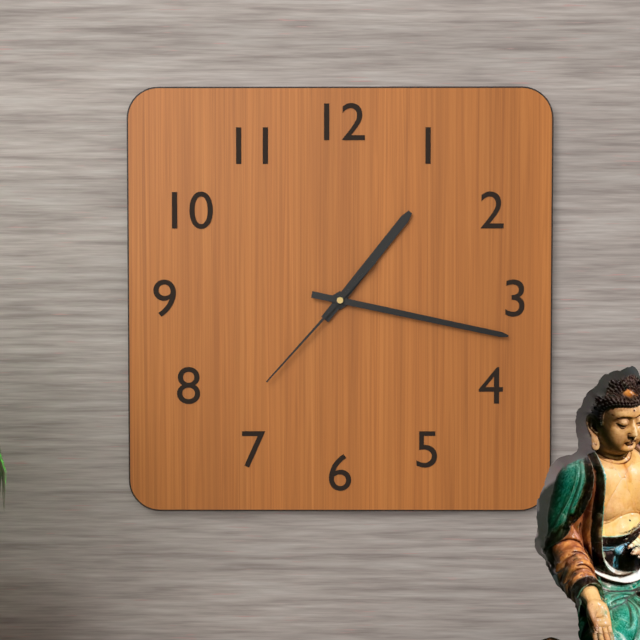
1:17:37
